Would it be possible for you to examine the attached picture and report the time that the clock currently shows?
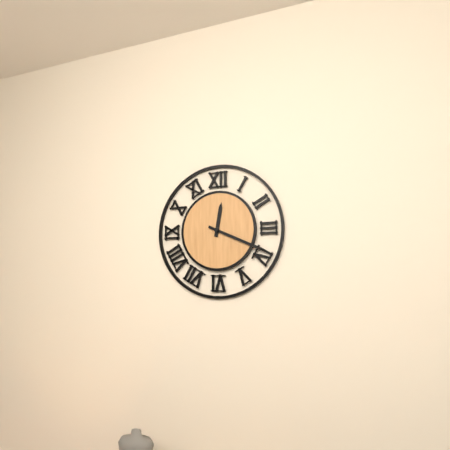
12:19
